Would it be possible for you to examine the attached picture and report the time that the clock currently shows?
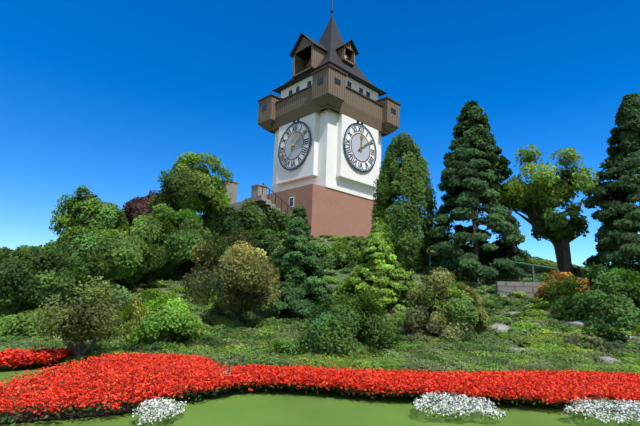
12:09
